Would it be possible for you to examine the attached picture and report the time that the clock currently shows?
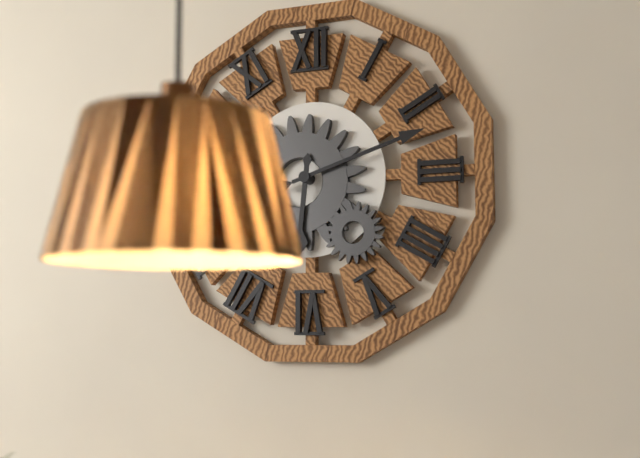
6:12
